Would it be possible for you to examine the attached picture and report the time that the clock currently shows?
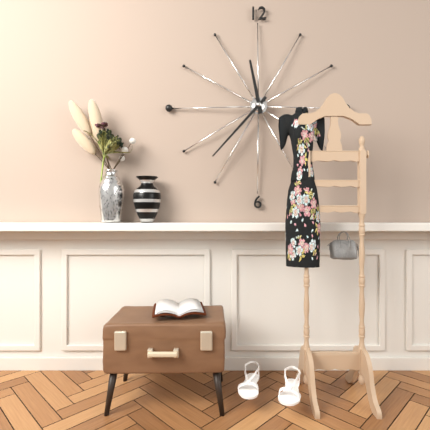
11:37
